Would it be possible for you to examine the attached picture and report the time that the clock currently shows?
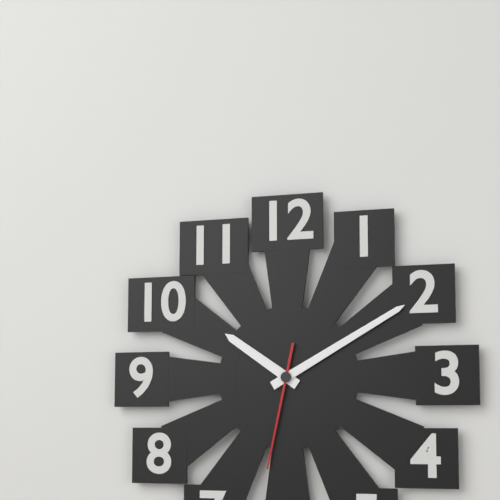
10:10:32
